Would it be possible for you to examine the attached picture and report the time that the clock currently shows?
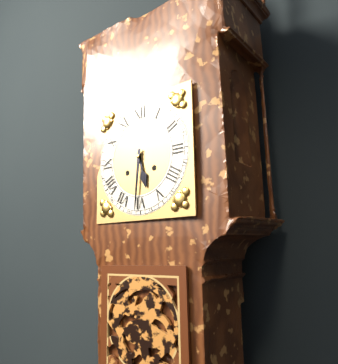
5:31
